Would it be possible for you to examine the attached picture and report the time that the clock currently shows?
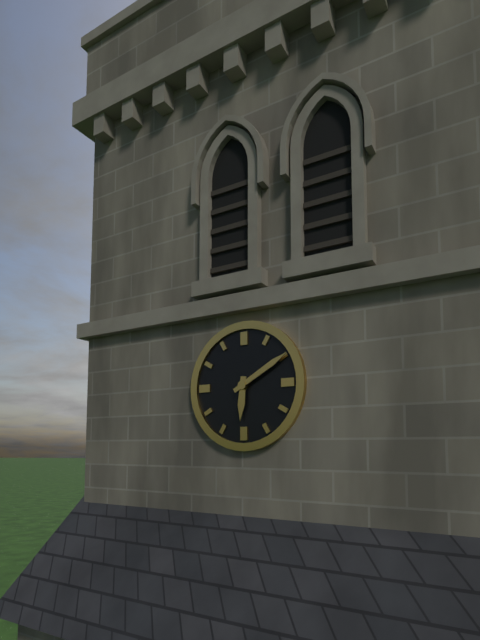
6:10
